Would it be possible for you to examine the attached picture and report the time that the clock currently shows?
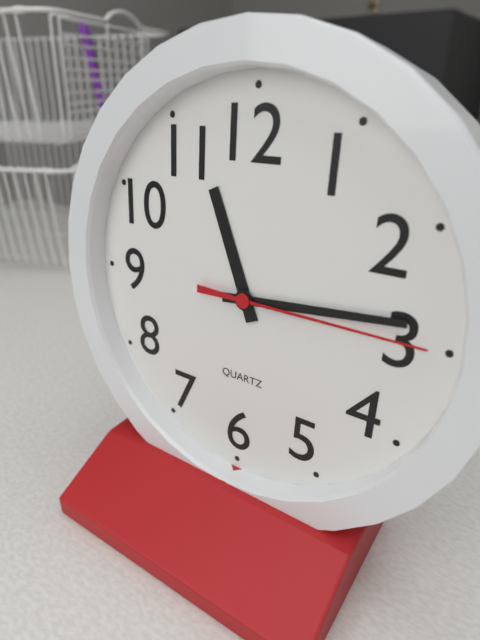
11:14:15
